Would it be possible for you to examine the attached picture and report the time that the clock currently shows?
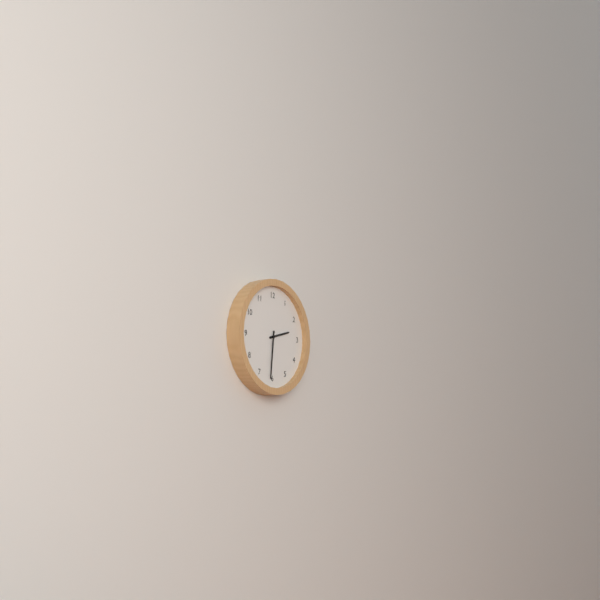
2:31
